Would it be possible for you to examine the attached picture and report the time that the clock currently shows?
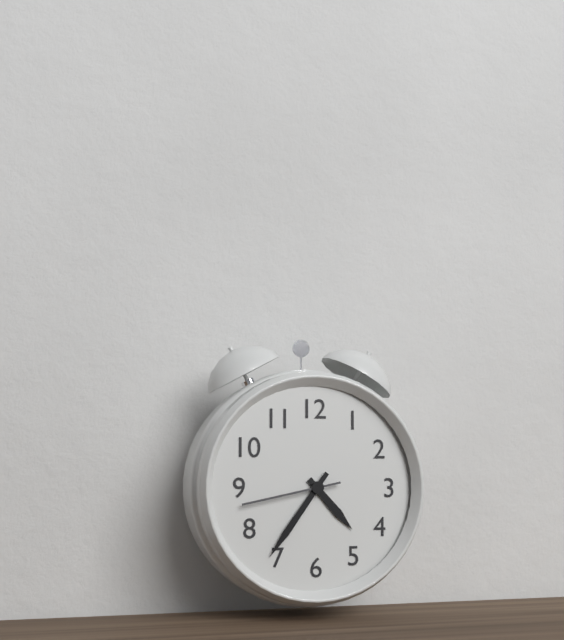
4:36:43
